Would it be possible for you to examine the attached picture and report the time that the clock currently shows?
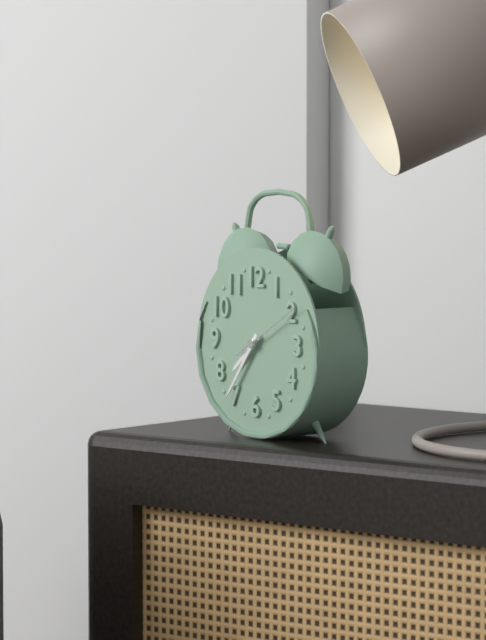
7:36:10
